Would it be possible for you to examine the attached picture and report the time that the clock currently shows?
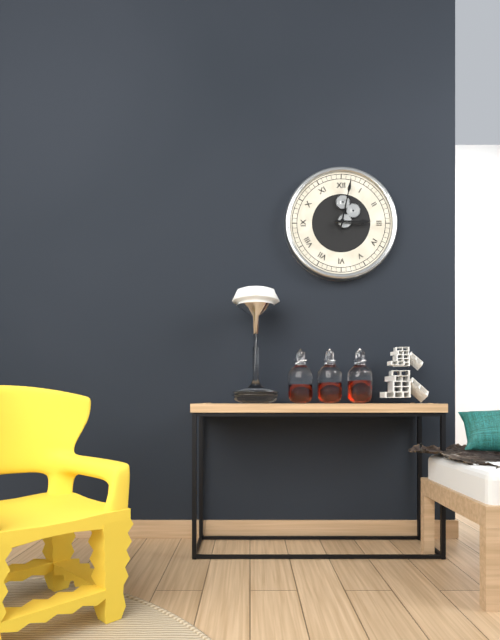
3:02
